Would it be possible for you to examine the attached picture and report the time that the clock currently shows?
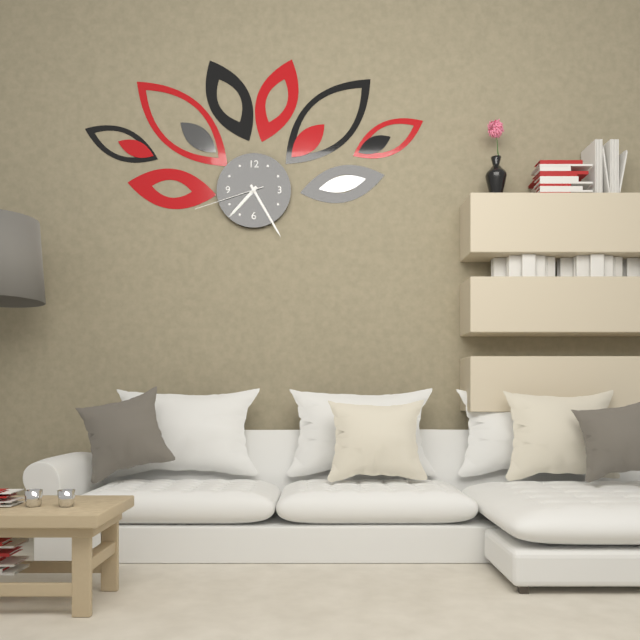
7:25:42
